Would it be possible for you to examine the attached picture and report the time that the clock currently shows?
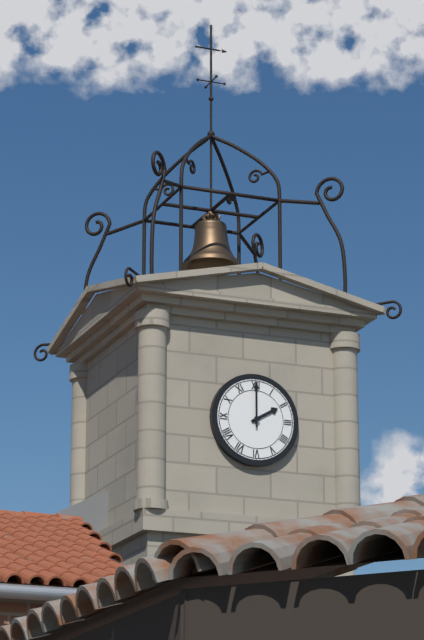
2:00
